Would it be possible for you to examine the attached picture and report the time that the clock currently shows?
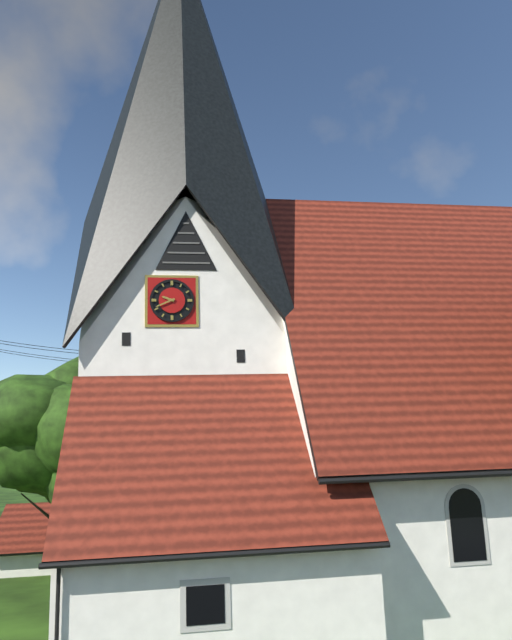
9:41
